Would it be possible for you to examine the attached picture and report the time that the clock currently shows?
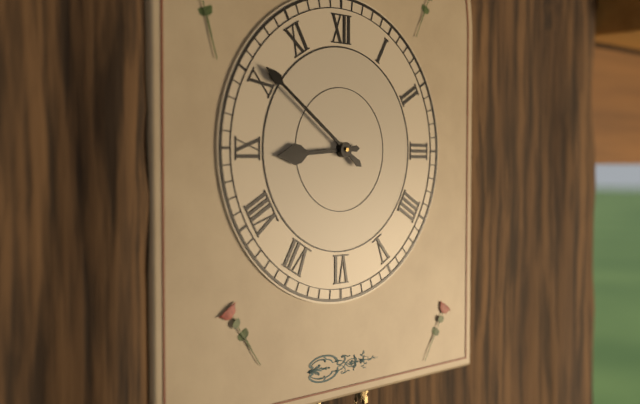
8:51
